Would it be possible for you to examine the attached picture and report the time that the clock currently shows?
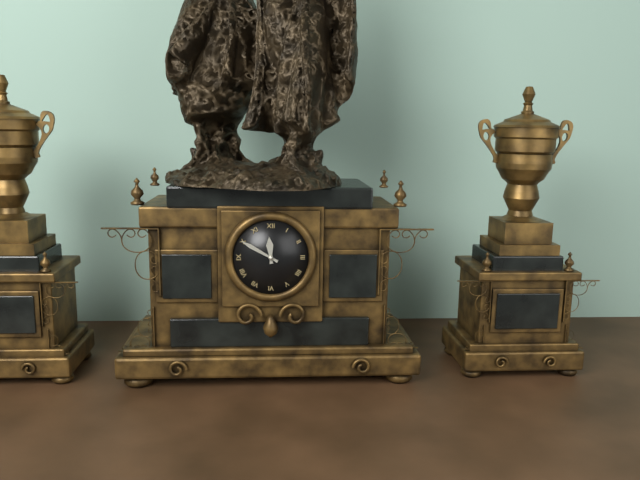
11:50
